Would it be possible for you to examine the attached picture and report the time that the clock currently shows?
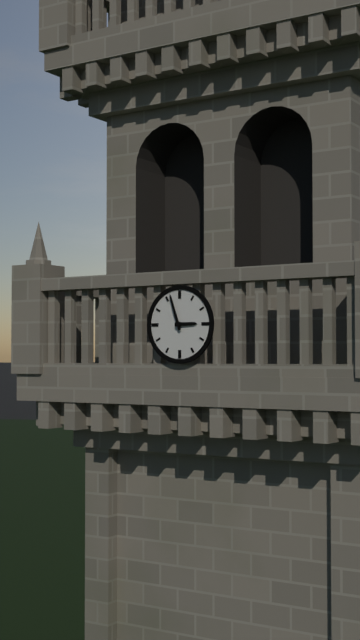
2:57
